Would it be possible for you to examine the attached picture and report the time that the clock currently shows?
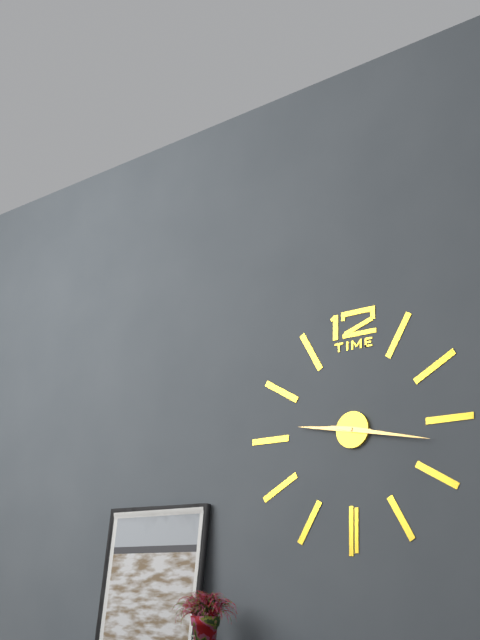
9:17
